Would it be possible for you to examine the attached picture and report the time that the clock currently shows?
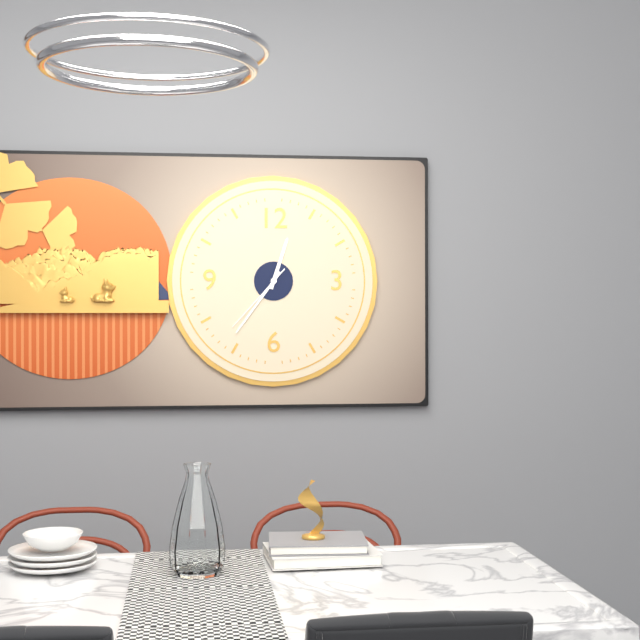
12:36:37
